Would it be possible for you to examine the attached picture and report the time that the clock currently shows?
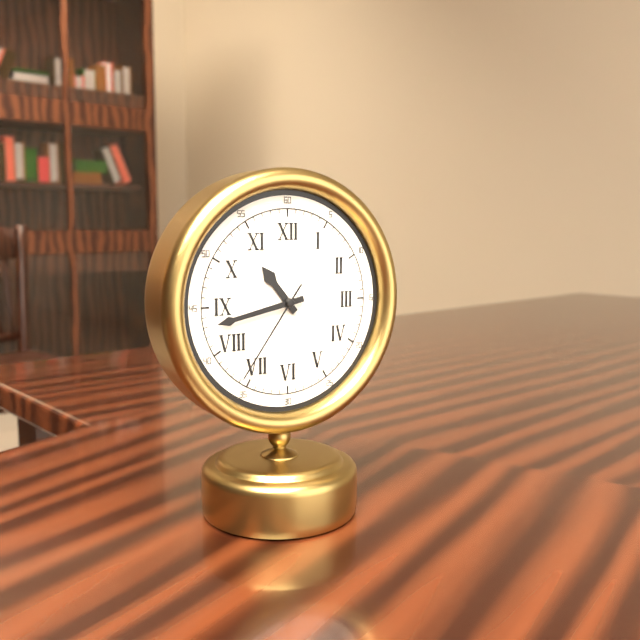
10:43:36
